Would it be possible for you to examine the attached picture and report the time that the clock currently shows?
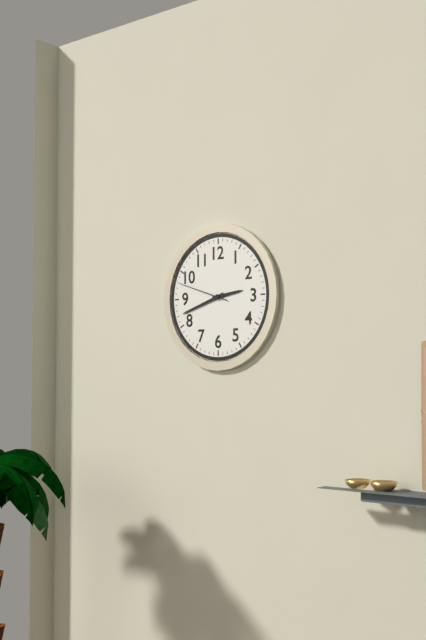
2:42:48
